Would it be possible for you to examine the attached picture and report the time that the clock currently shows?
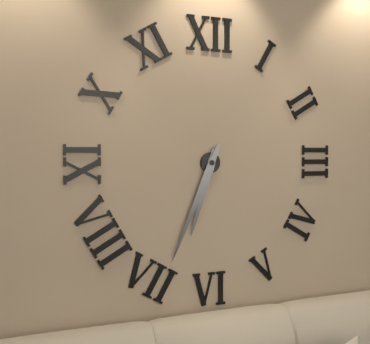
6:34
